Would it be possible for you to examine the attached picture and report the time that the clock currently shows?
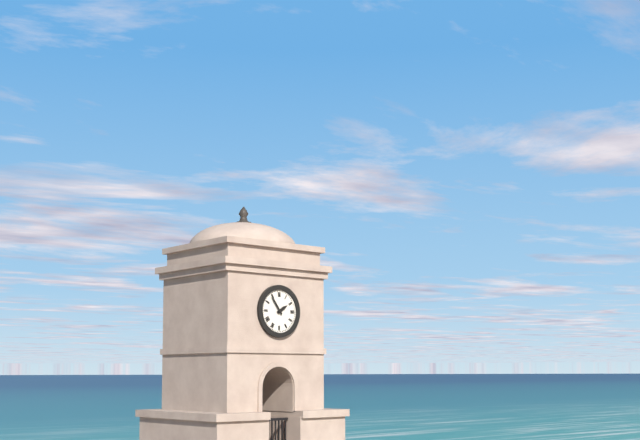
1:54
